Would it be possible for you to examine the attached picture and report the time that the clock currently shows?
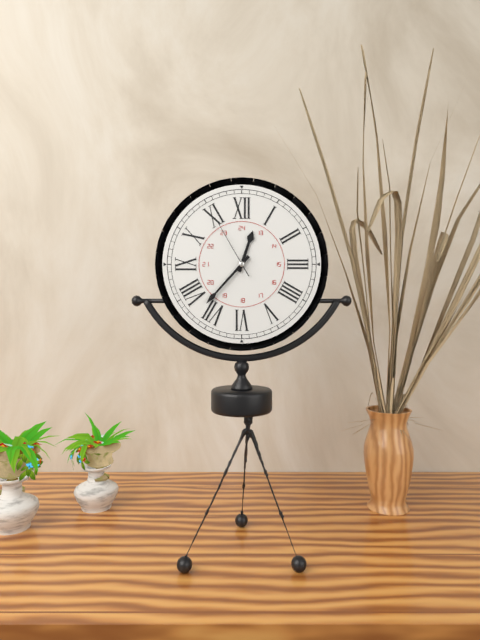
12:37:55
